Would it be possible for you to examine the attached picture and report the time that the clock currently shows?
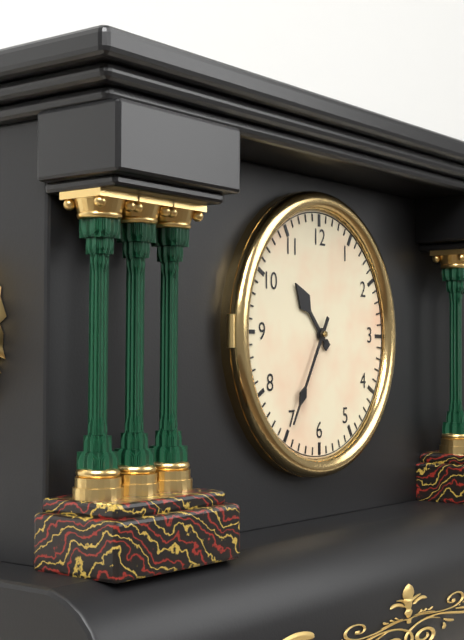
10:35
